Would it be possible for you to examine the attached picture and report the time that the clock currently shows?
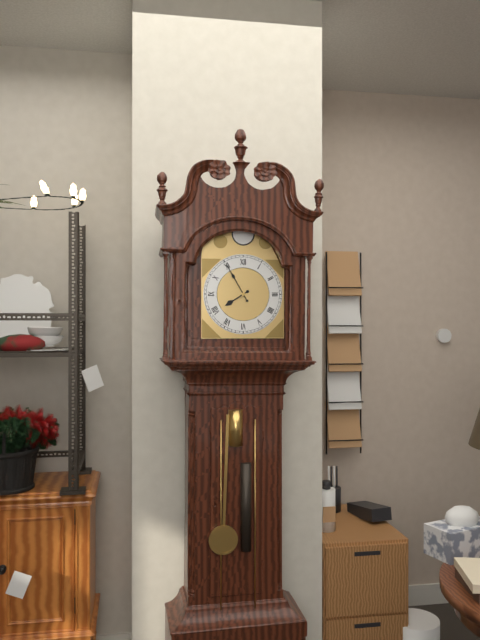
7:55
